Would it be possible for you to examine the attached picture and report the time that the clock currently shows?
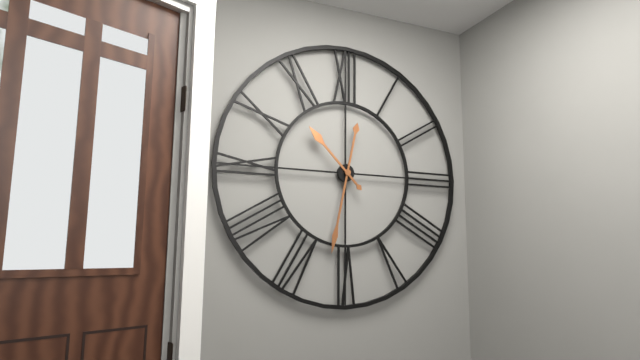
10:32
